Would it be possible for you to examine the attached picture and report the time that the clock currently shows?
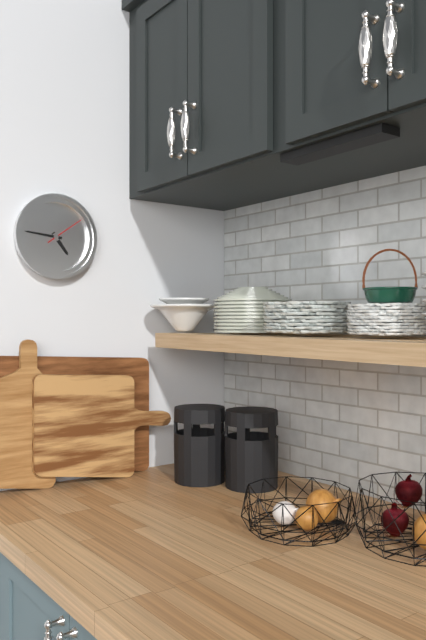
4:46
